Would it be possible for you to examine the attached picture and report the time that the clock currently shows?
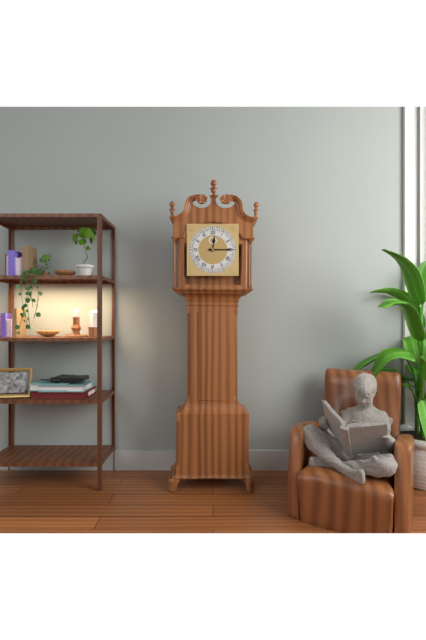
12:15
